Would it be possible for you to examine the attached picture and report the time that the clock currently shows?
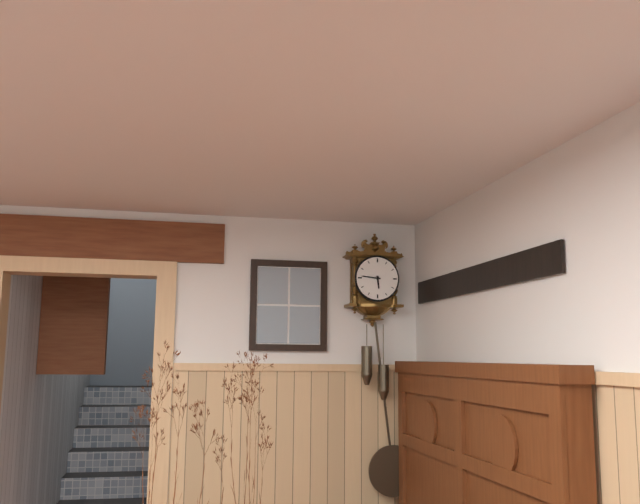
5:46
